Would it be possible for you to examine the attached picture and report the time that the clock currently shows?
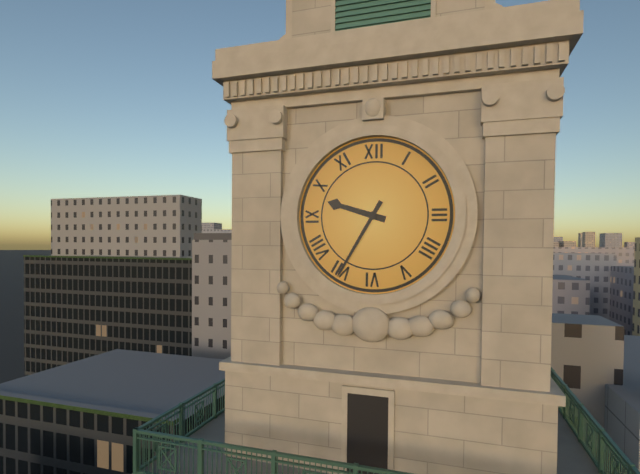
9:35
